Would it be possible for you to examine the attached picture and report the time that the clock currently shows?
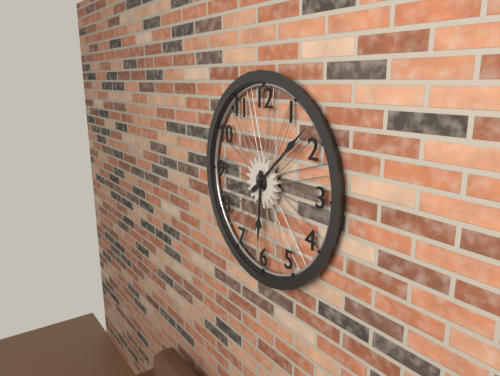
6:08
